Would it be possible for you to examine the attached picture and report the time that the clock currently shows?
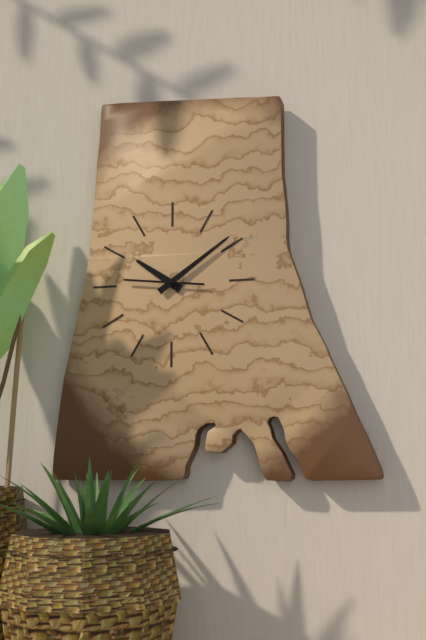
10:09:46
